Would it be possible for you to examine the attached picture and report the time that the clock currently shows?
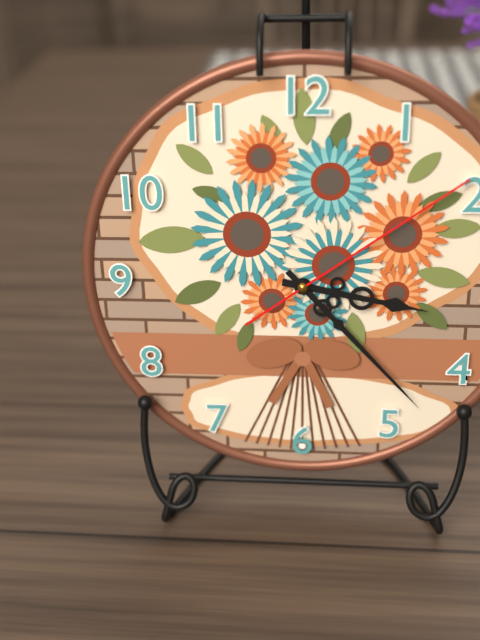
3:23:09
